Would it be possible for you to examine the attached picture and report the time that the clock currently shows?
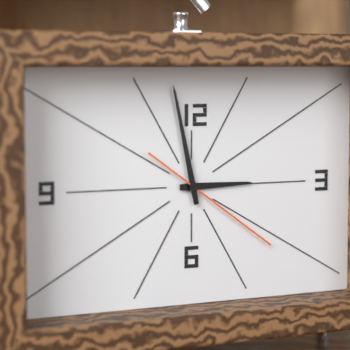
2:58:21
